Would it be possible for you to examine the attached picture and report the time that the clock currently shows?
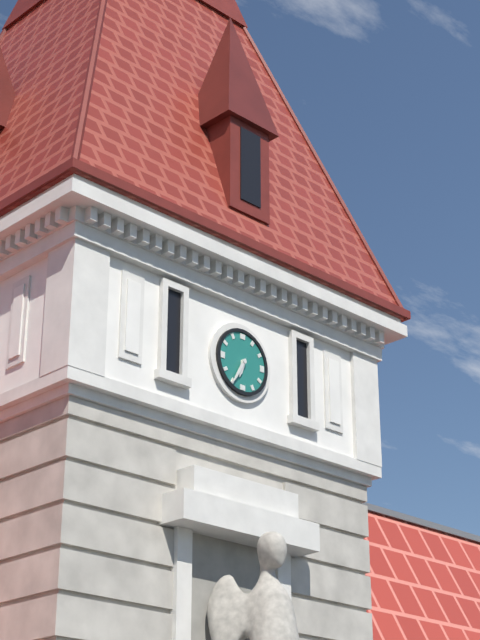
6:35
